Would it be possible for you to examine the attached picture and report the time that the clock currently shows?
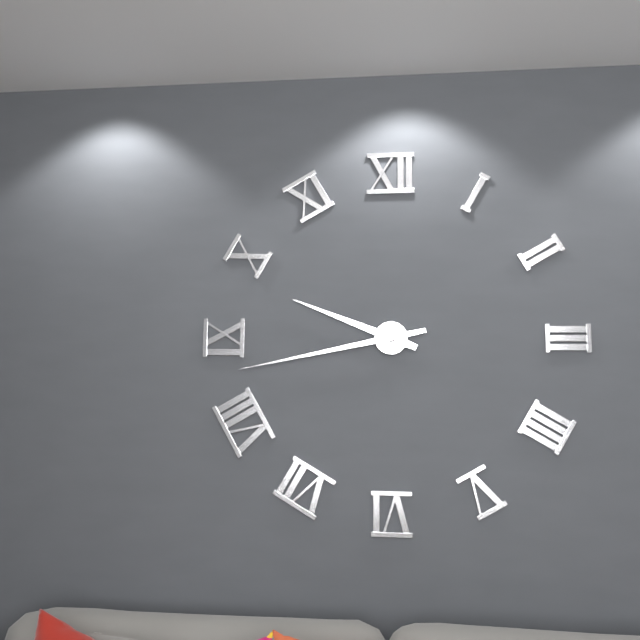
9:43
